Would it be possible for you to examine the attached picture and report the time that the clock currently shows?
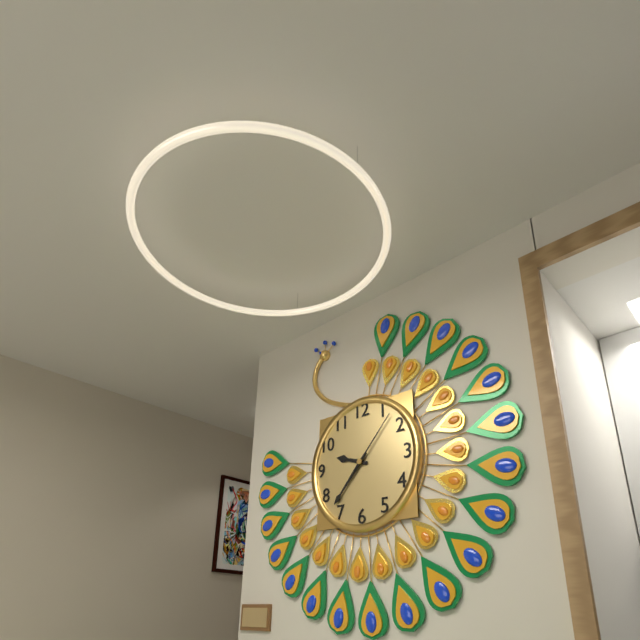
9:37:07
